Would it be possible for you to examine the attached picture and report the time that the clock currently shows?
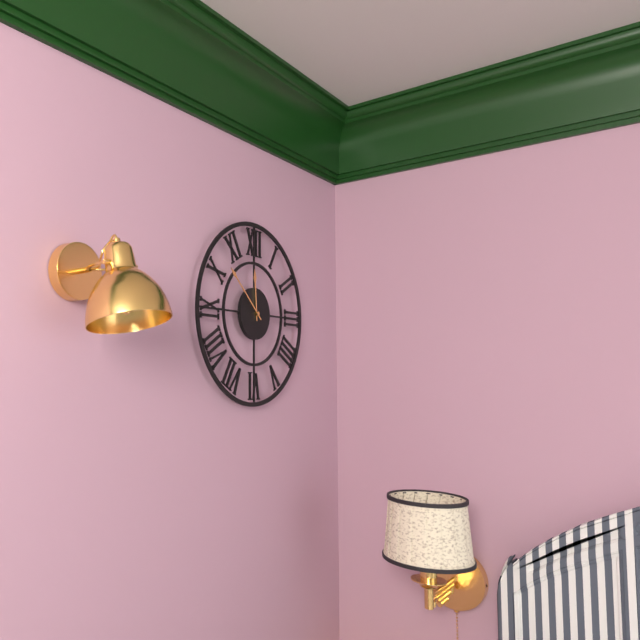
11:52
